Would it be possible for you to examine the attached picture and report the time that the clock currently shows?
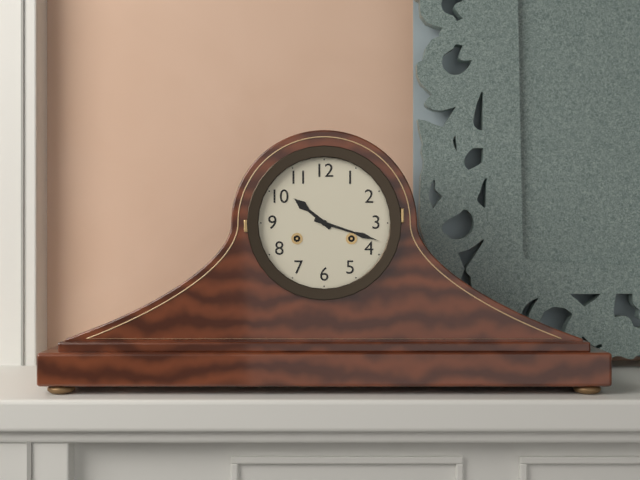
10:18
